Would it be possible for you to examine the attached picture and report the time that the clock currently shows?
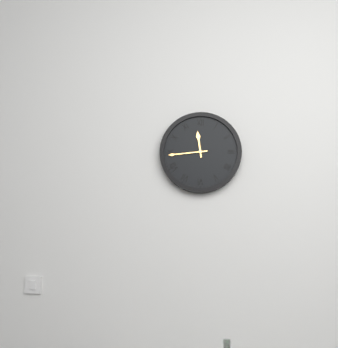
11:44
